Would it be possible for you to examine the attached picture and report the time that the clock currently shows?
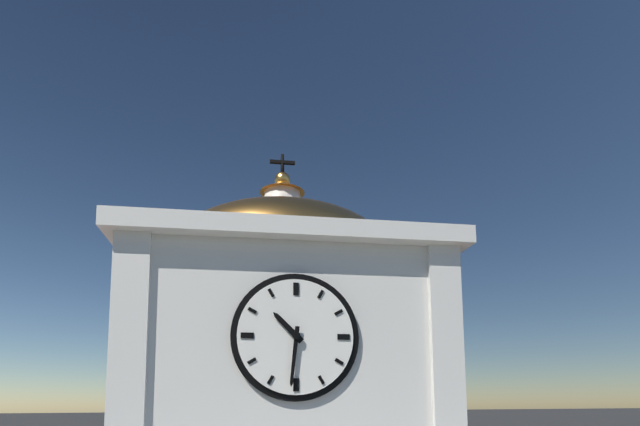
10:31
